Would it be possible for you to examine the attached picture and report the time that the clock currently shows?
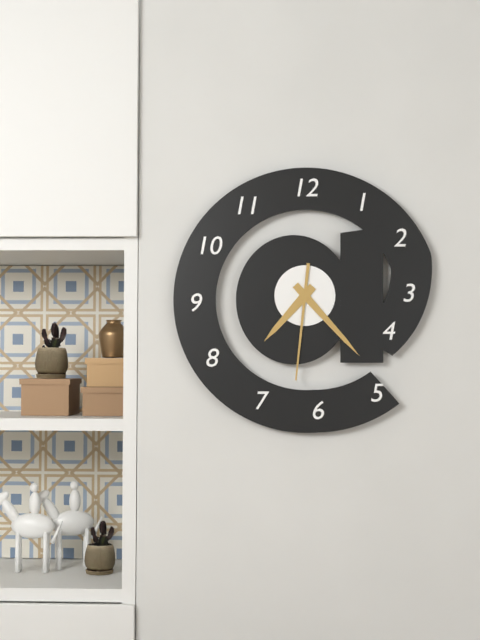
7:23:31
